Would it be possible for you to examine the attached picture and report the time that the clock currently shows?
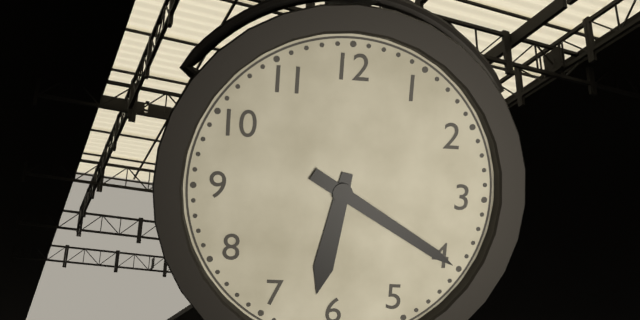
6:20
